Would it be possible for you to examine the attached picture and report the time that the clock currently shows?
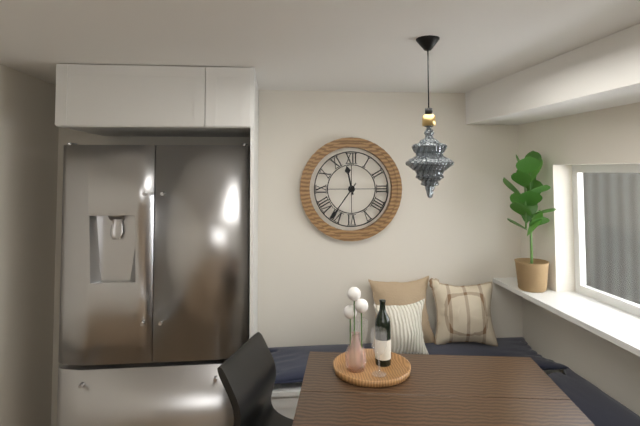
11:36
